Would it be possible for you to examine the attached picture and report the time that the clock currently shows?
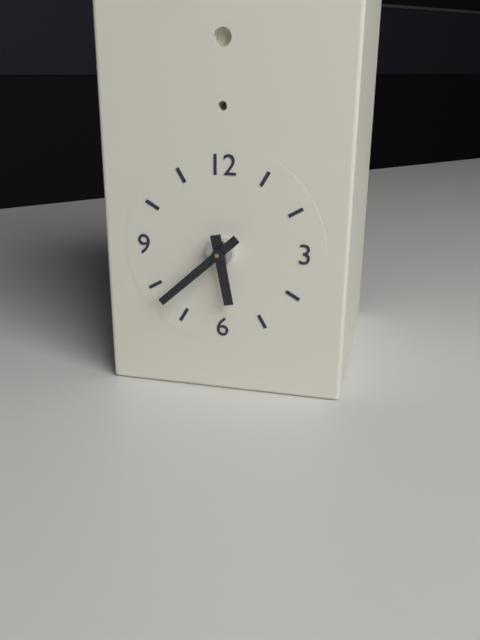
5:38
